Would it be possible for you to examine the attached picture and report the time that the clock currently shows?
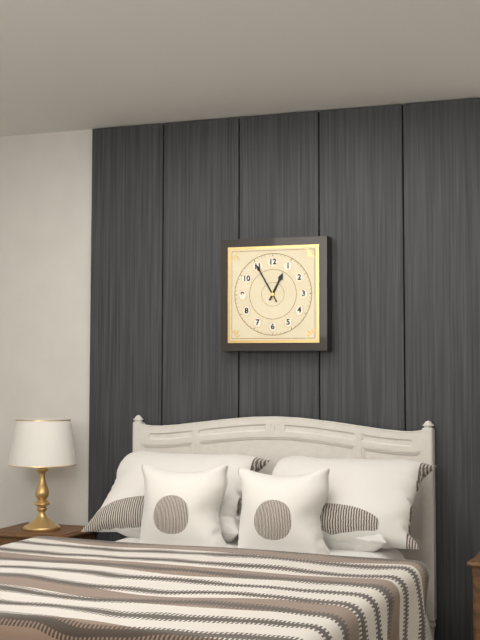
12:55
